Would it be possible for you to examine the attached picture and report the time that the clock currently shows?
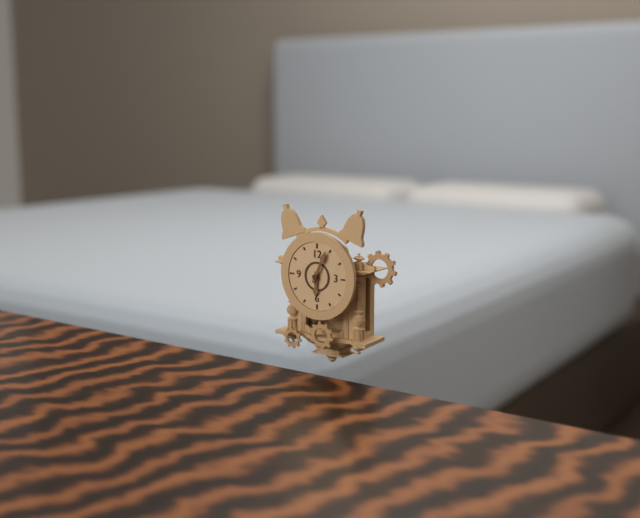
6:04
